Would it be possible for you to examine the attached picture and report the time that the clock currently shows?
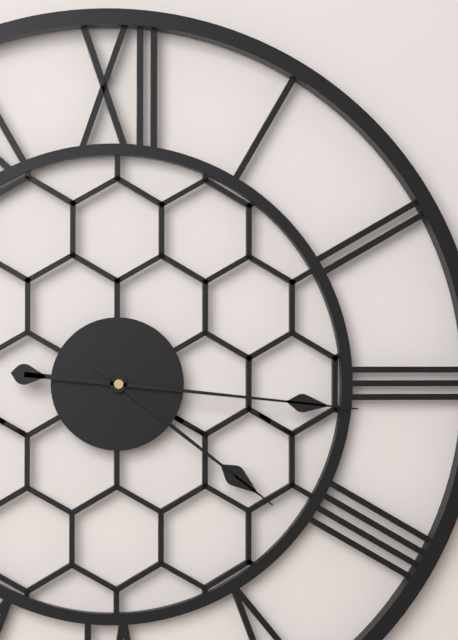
4:16
